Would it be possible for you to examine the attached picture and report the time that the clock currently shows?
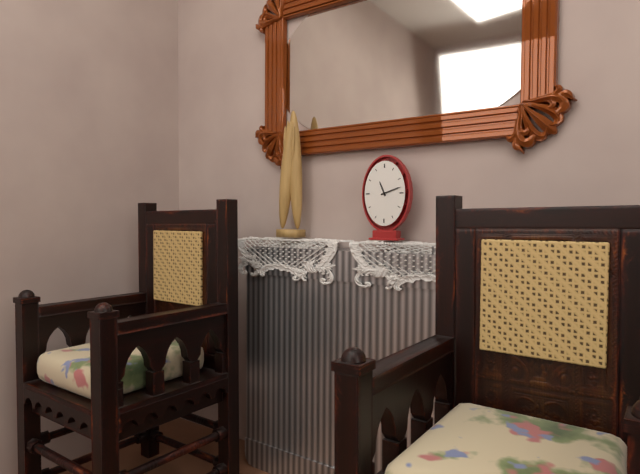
11:12
